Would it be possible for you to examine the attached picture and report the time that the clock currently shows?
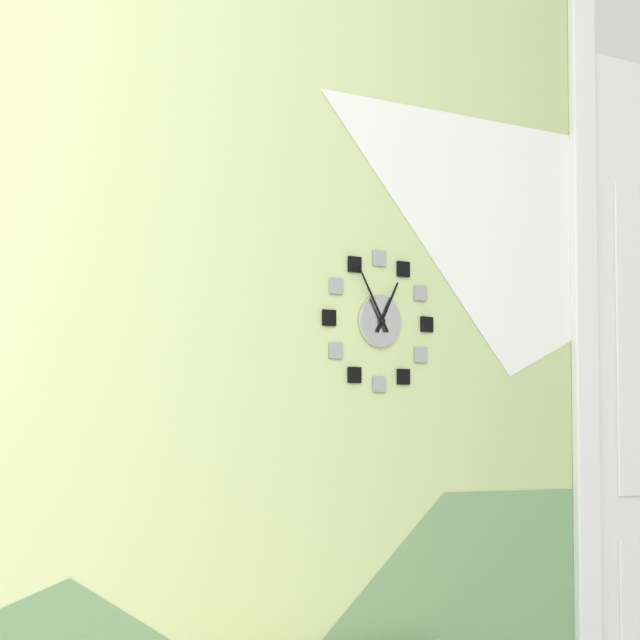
12:55
